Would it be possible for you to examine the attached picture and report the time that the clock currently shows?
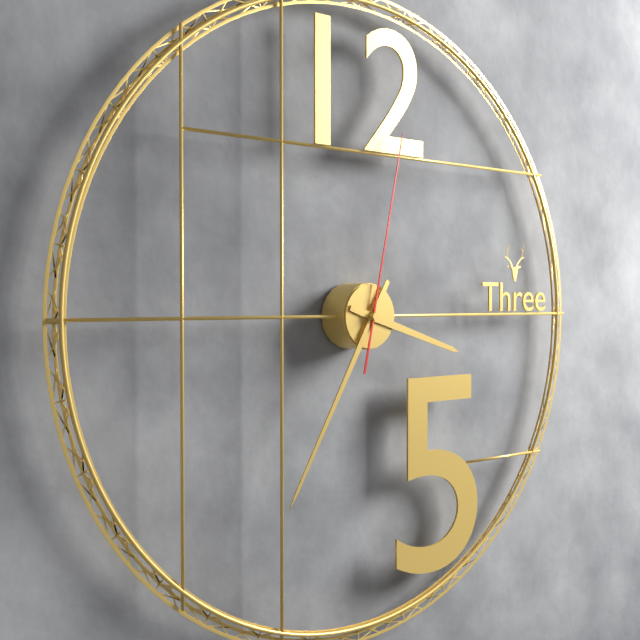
3:35:02
